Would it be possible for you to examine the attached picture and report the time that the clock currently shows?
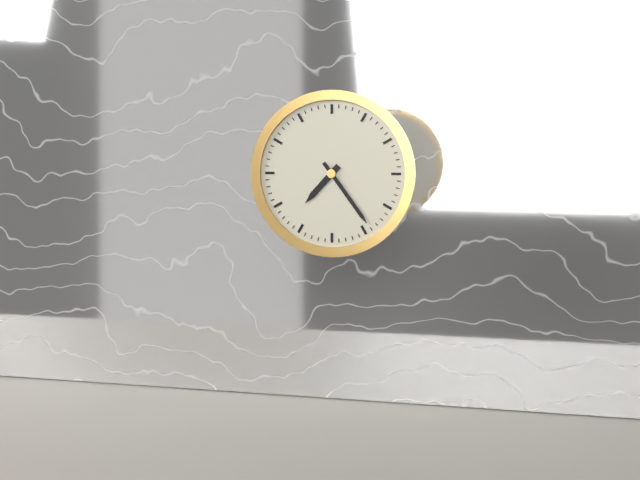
7:24
